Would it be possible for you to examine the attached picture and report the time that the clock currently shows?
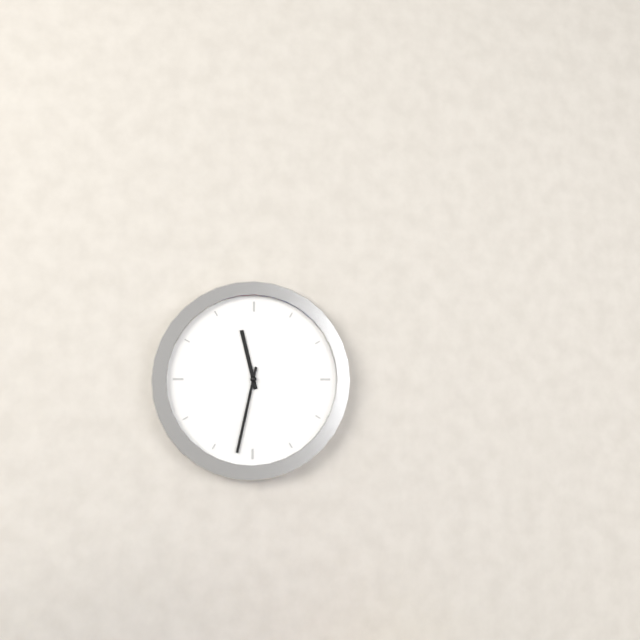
11:32
